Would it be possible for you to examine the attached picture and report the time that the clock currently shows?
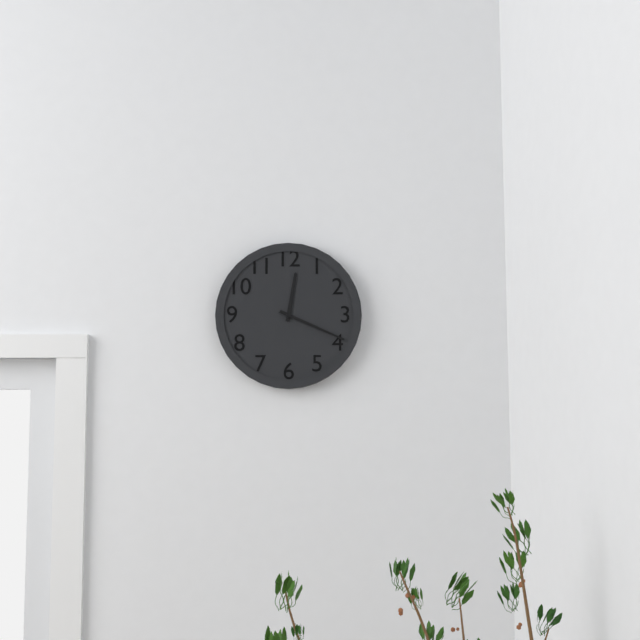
12:19
